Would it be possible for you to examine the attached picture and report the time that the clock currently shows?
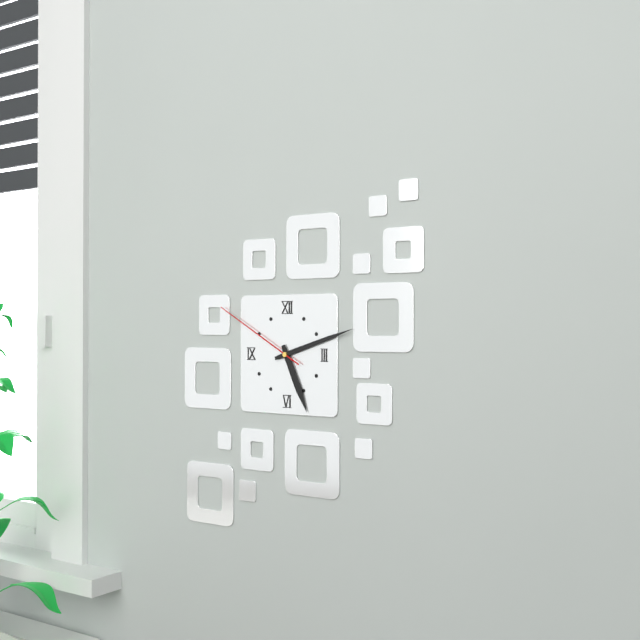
5:12:50
